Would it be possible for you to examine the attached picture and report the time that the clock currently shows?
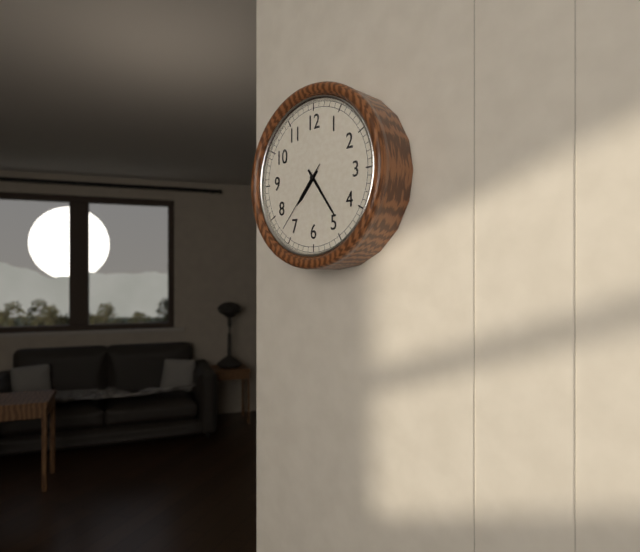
7:24:37
